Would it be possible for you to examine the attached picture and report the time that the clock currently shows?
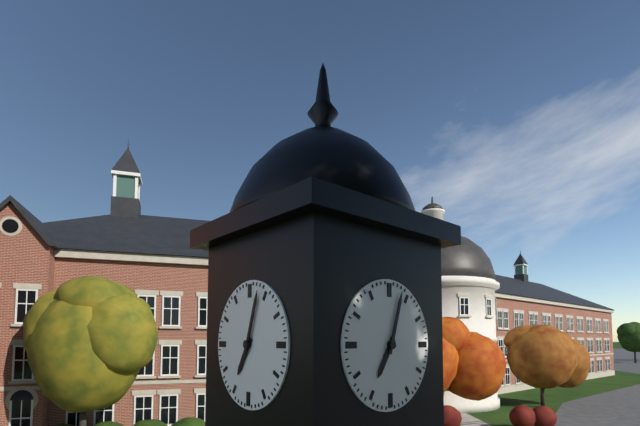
7:03
